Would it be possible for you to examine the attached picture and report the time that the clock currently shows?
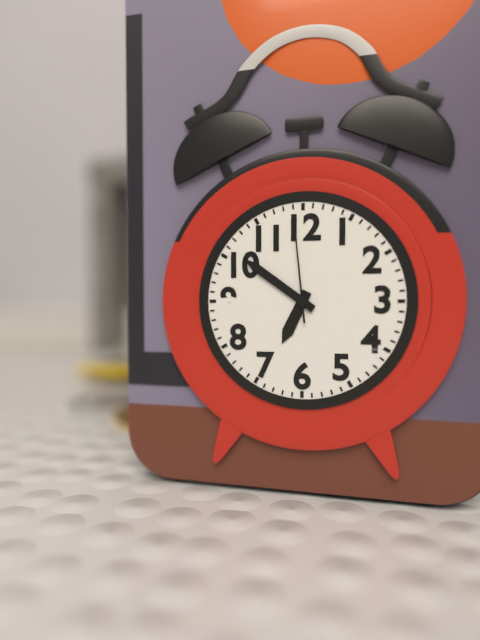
6:51:59
